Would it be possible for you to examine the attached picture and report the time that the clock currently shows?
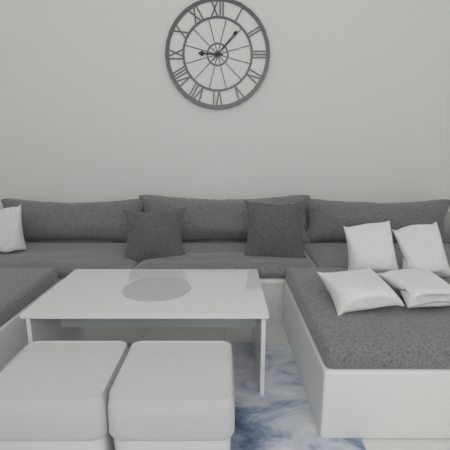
9:07
